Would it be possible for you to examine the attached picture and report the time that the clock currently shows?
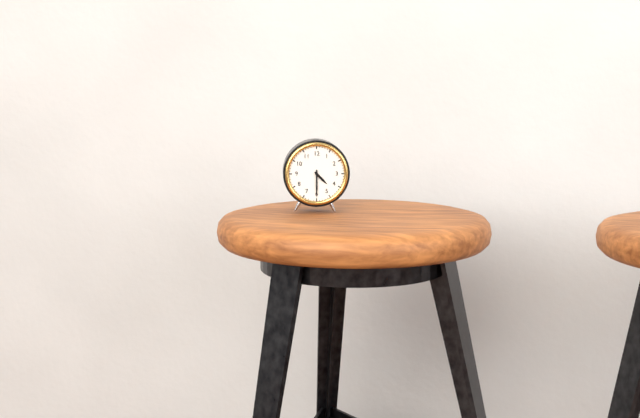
4:30
